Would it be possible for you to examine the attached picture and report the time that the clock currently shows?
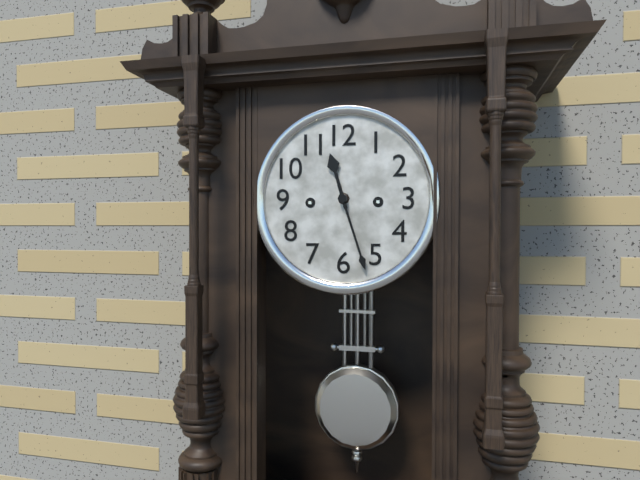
11:27
